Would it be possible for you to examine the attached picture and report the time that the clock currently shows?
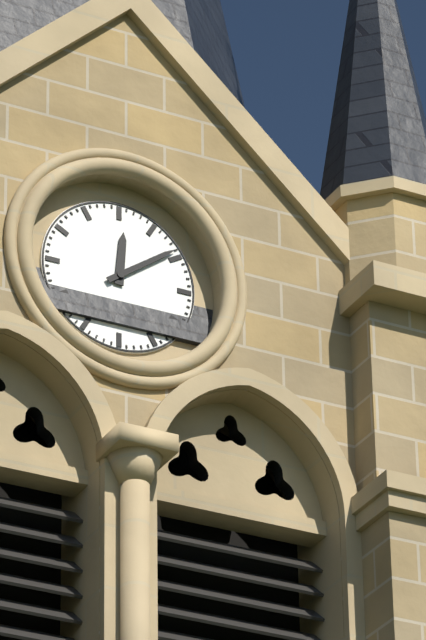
12:09
